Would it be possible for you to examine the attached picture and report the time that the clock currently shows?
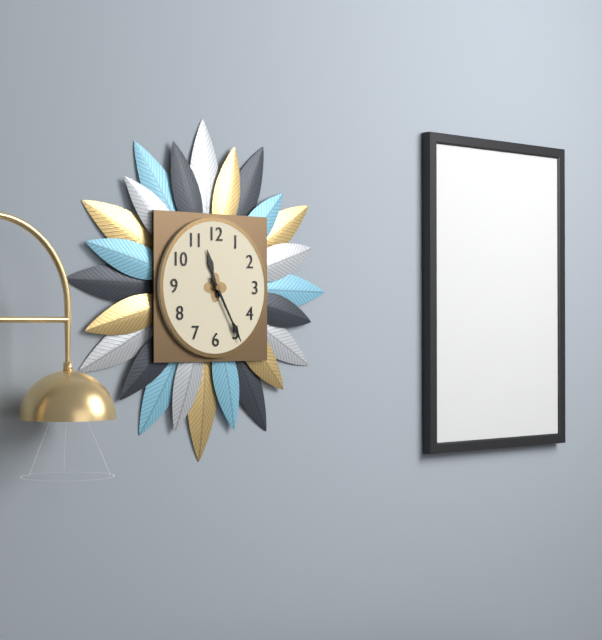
11:25
